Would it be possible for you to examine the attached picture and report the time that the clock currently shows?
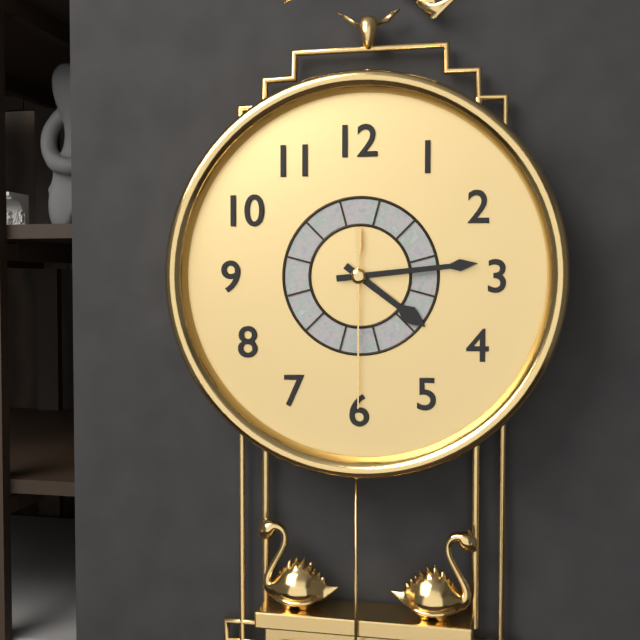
4:14:30
